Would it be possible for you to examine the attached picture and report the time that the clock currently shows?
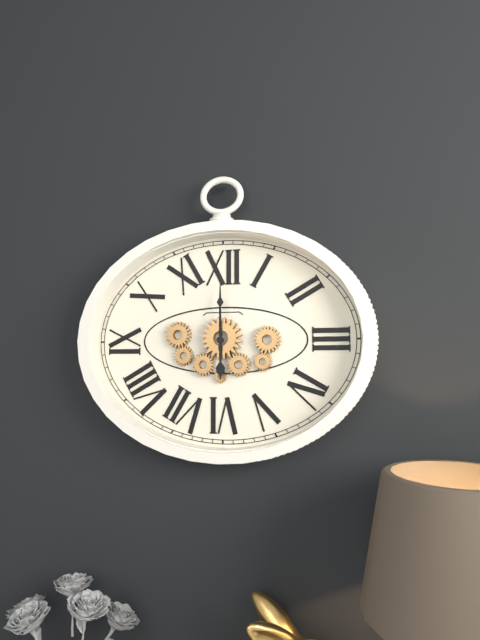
6:00
